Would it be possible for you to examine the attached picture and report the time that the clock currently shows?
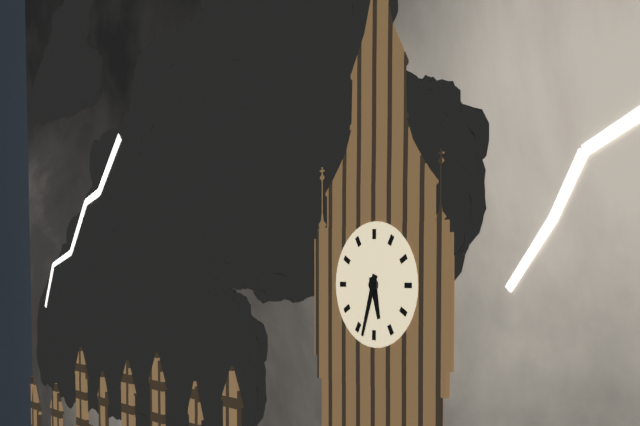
5:33
